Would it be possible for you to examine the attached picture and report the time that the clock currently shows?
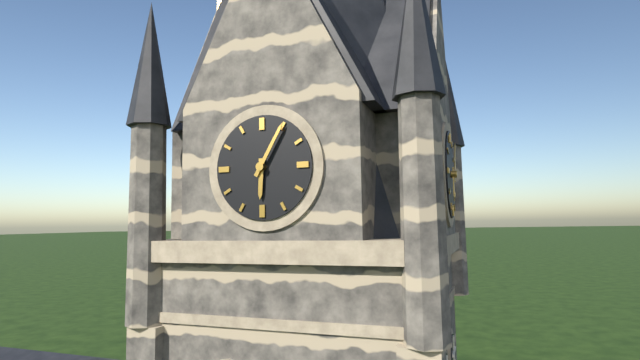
6:05
